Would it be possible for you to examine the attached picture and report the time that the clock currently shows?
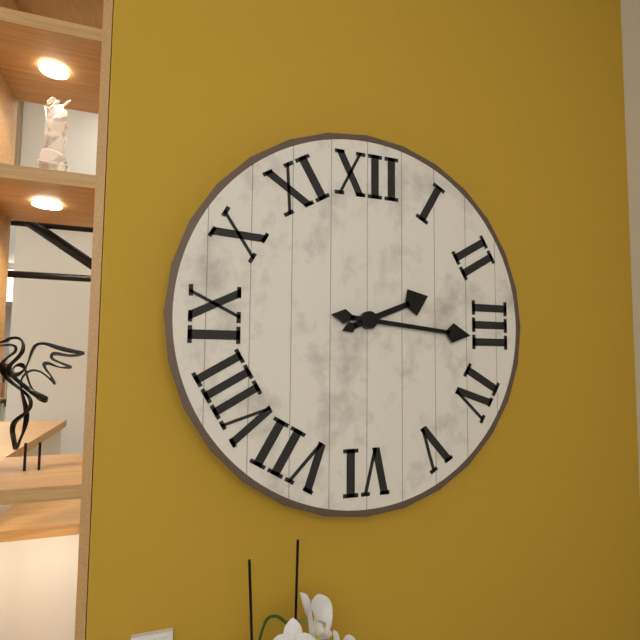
2:16
